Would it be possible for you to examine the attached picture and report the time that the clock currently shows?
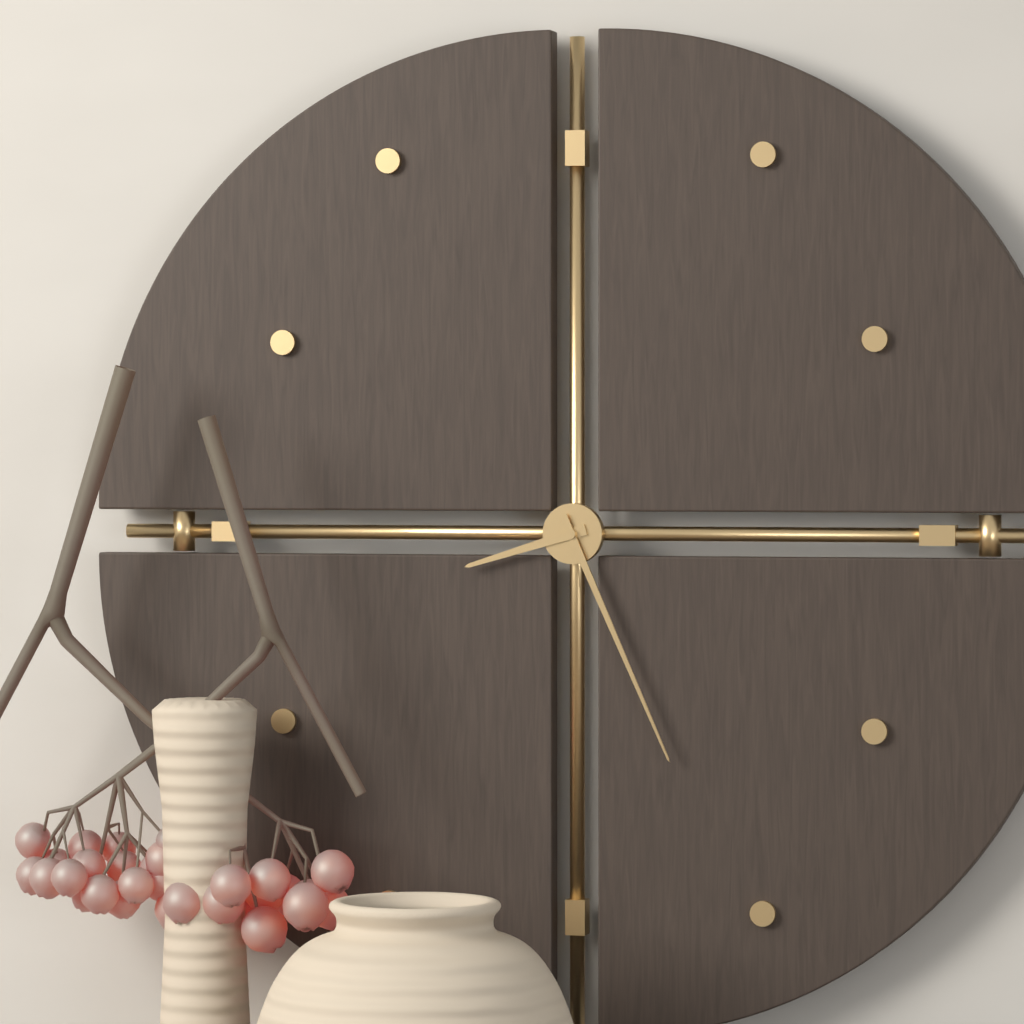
8:26
